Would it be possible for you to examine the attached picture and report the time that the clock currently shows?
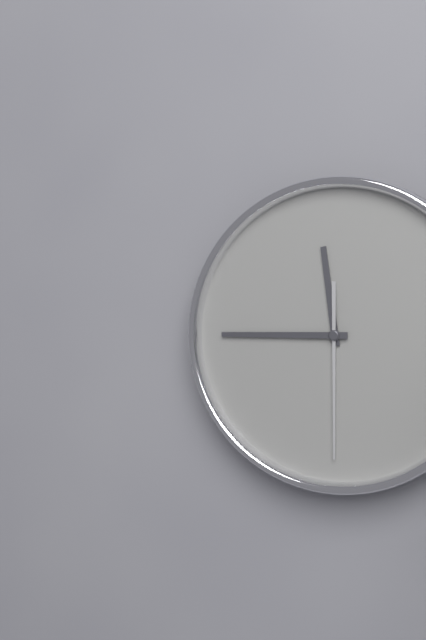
11:45:30
